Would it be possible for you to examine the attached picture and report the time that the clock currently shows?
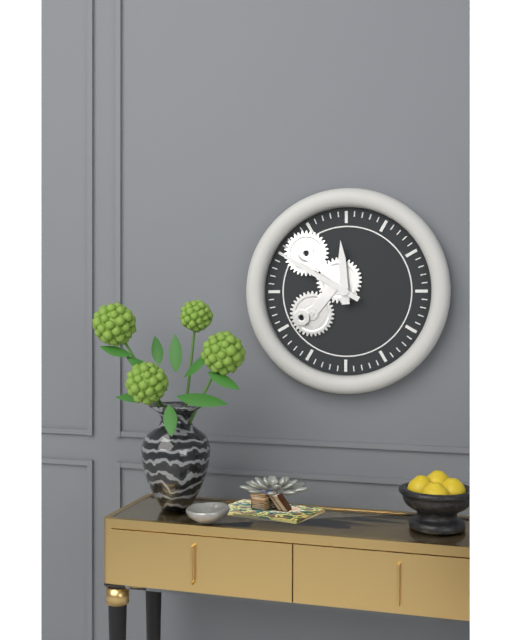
11:50
